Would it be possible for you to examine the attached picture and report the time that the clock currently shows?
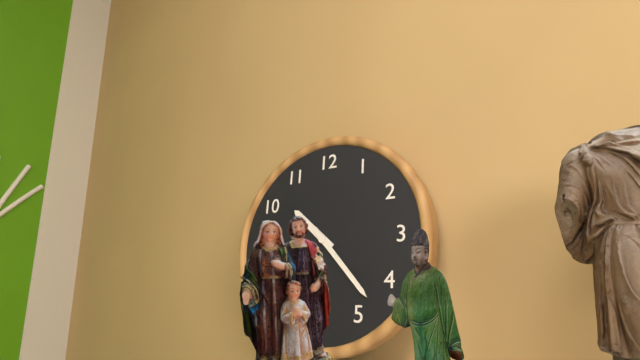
10:23
